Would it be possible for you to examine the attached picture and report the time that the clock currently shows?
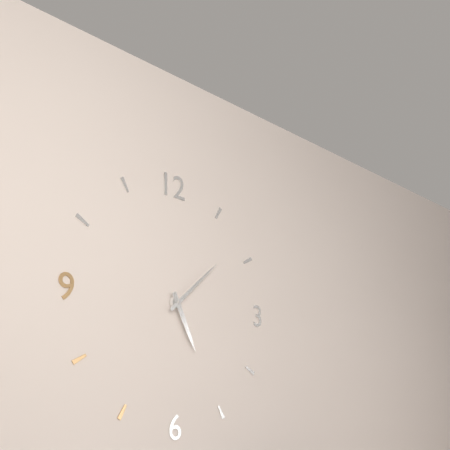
5:08
